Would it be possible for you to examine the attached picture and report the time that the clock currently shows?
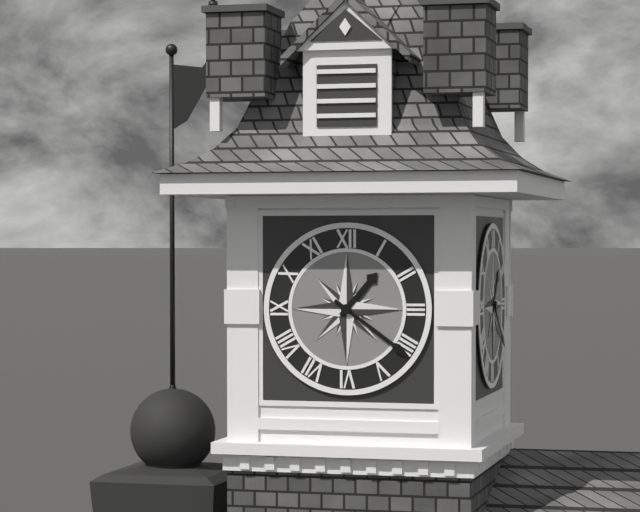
1:21
